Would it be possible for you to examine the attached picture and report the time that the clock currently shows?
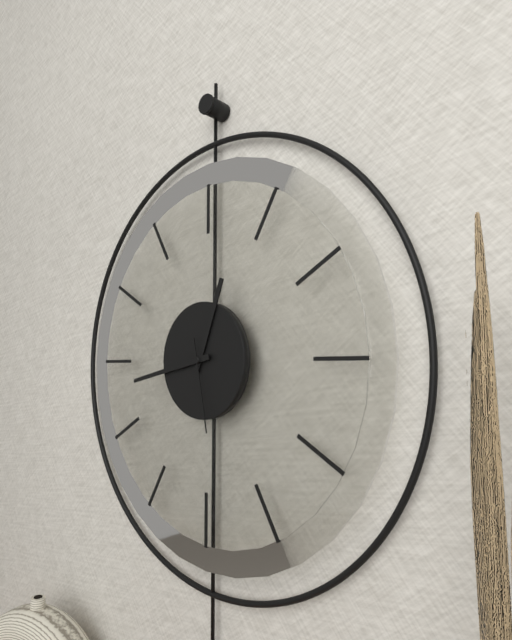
12:43:28
